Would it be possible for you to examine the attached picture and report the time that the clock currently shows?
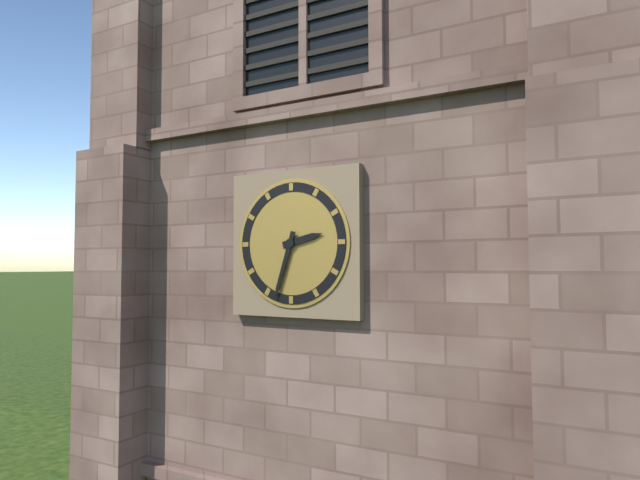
2:33
